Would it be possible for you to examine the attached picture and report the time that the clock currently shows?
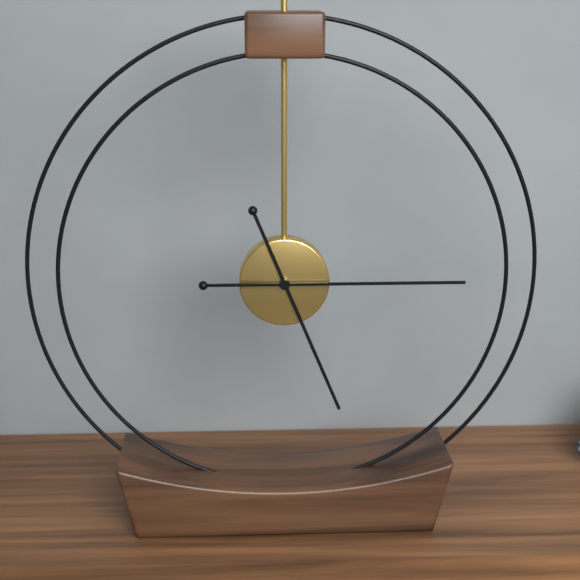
5:15
